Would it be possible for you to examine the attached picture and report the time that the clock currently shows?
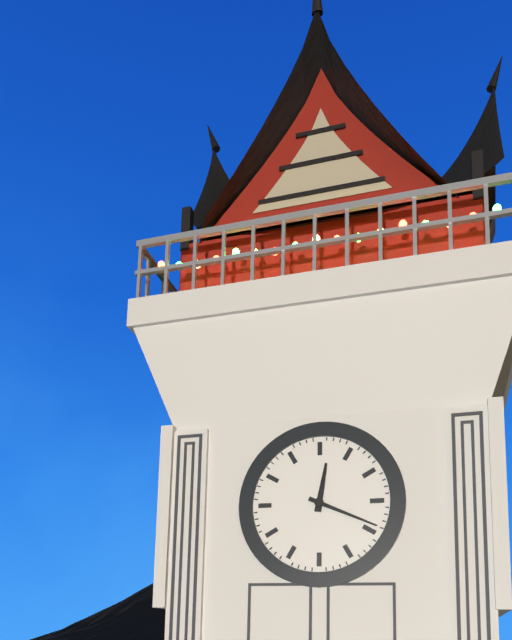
12:19
